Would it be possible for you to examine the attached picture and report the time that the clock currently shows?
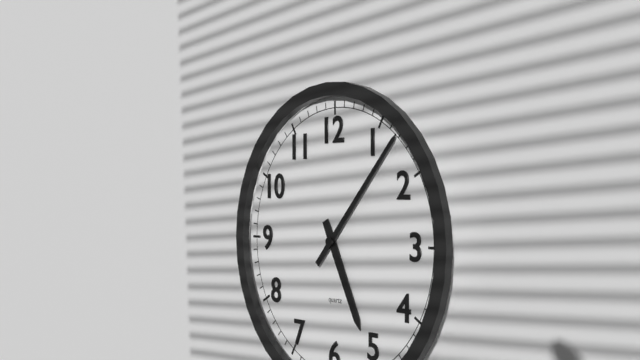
5:07
